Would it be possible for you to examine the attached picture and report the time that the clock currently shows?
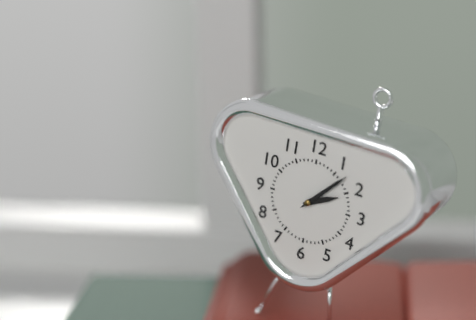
2:07
